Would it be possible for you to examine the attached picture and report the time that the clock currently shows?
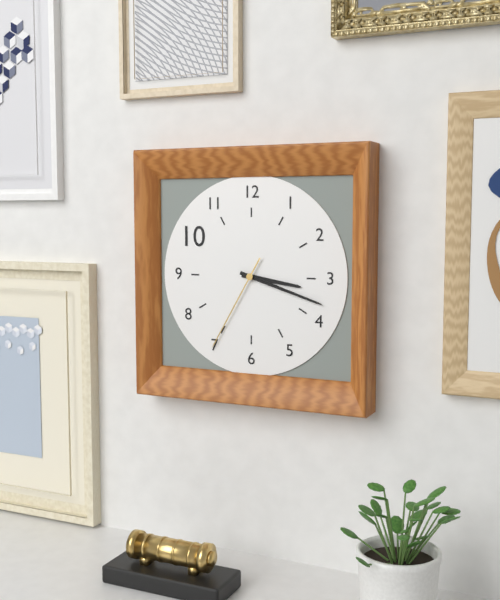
3:18:35
